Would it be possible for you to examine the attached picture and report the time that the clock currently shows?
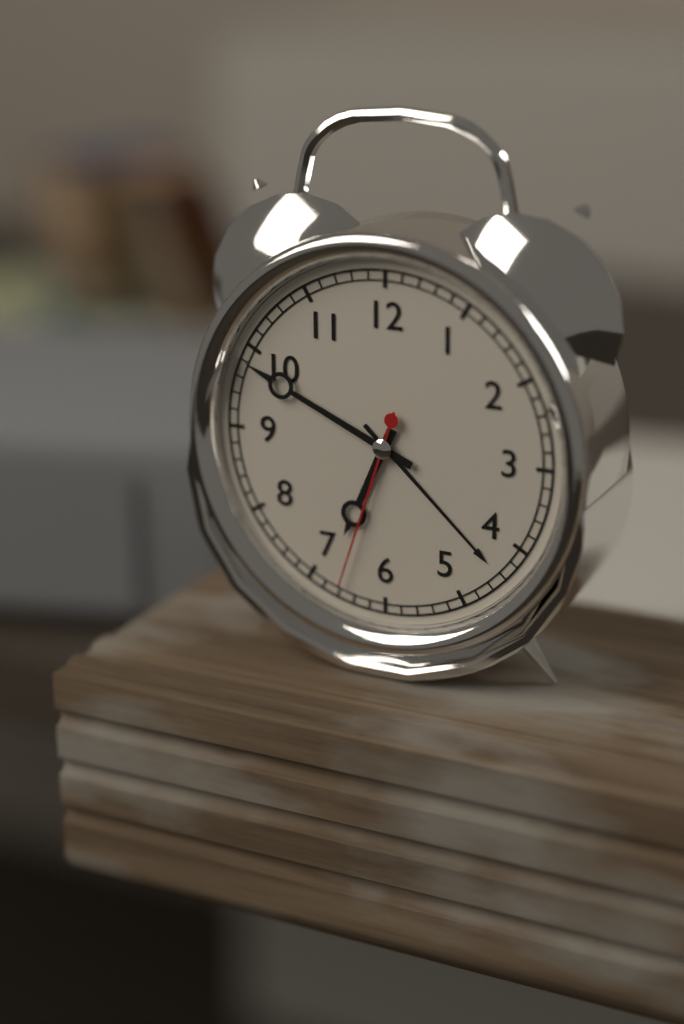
6:49:33
